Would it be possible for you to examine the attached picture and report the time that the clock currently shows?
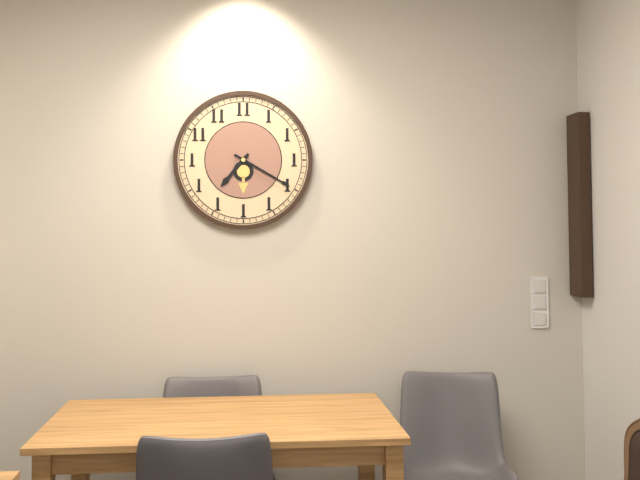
7:20
